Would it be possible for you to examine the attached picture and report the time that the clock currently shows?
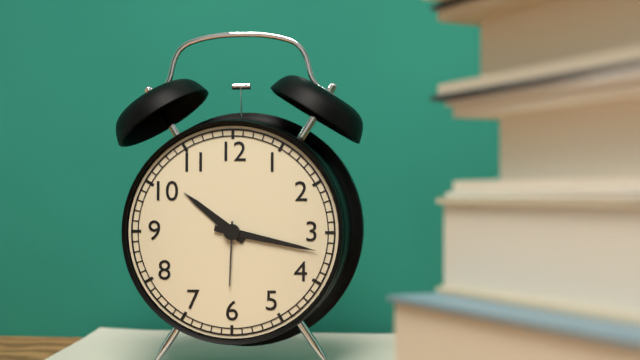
10:17
